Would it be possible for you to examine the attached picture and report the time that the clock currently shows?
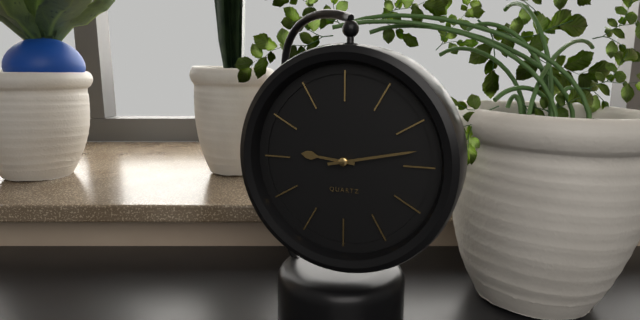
9:13
